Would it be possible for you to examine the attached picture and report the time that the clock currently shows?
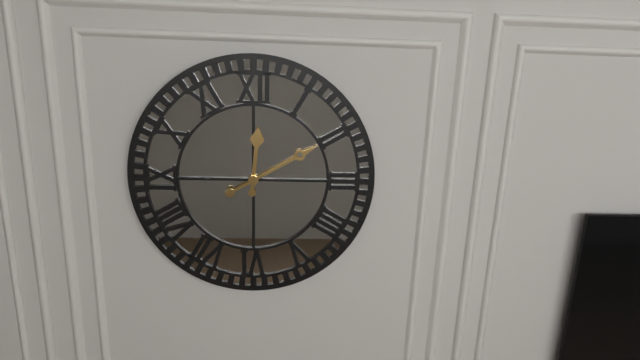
12:10
